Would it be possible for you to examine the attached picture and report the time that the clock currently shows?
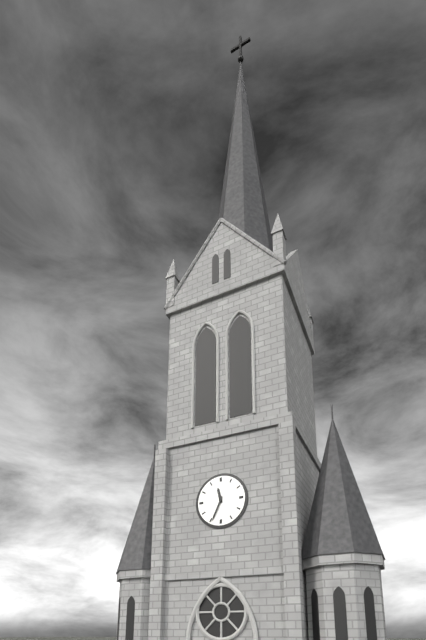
11:34
